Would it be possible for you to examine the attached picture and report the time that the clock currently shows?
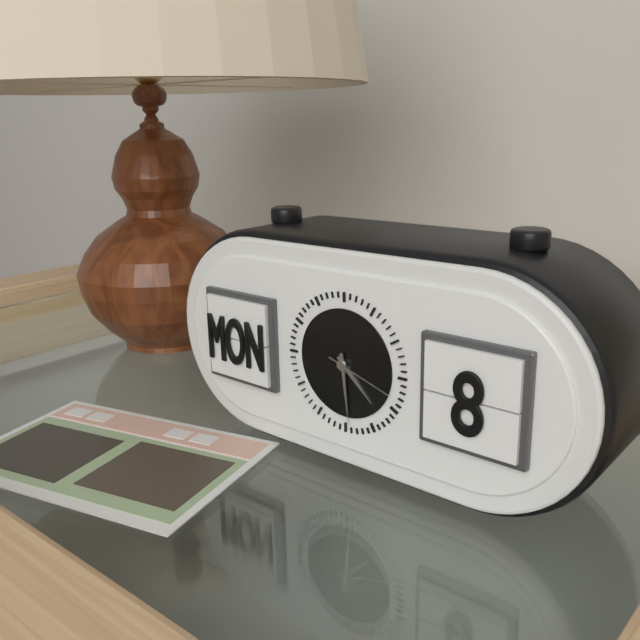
4:29:18
